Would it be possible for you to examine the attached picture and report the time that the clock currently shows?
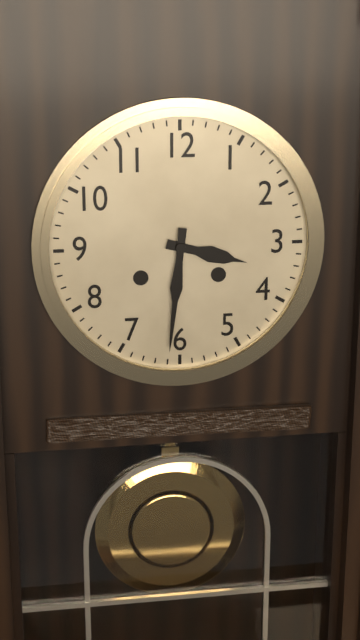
3:31
